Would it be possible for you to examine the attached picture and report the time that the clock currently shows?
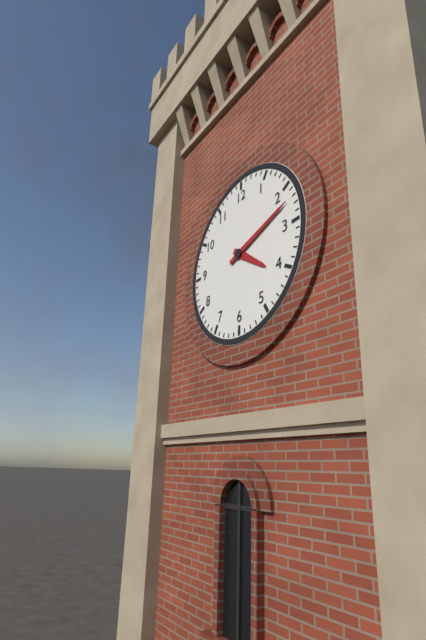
4:12
